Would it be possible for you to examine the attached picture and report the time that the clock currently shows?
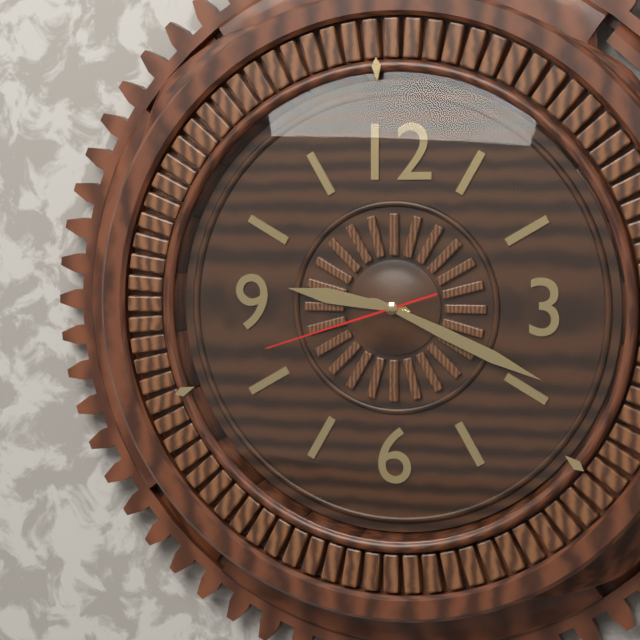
9:19:42
